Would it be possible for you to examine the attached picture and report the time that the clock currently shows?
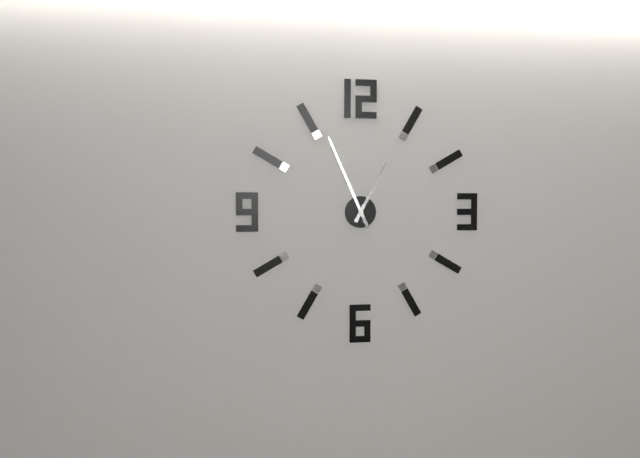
12:56
